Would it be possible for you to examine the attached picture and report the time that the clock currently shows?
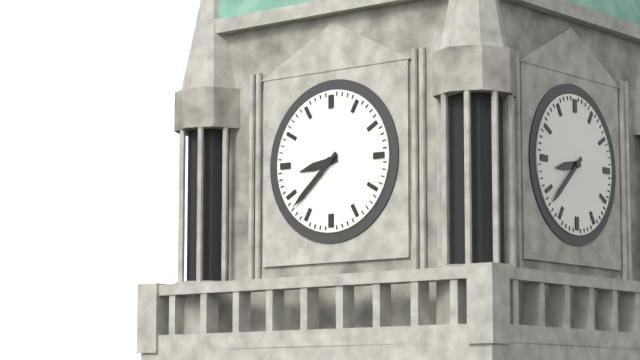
8:38
